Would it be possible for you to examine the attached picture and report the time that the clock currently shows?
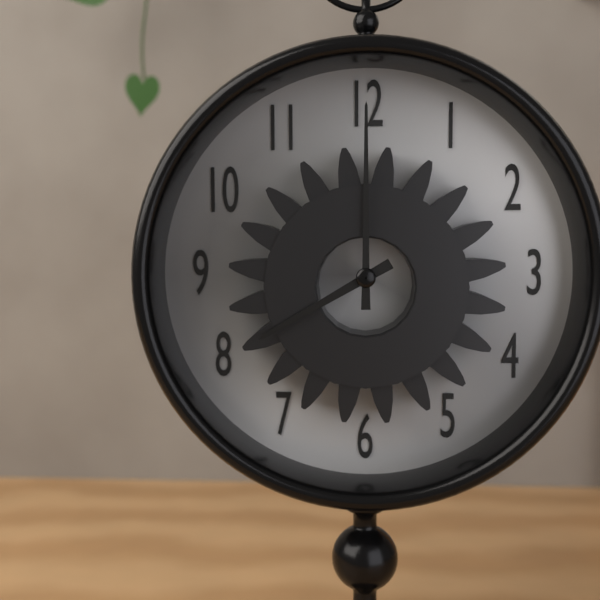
8:00
